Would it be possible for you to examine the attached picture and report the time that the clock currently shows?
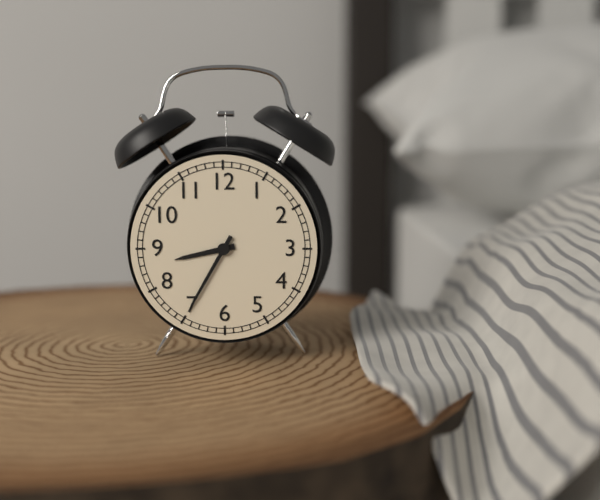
8:35
